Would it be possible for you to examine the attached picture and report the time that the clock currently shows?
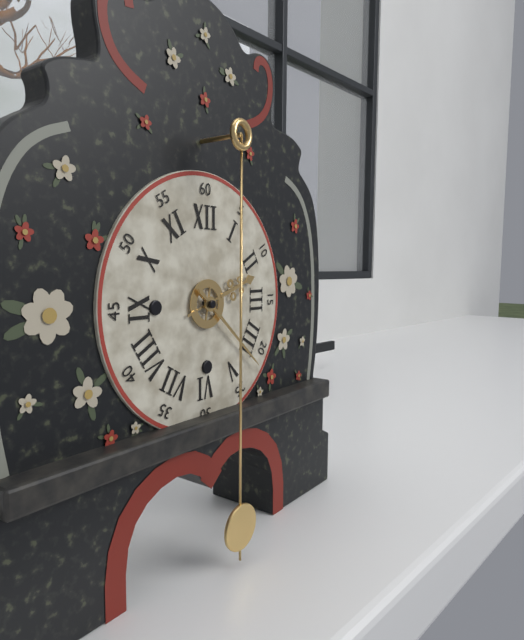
2:22
